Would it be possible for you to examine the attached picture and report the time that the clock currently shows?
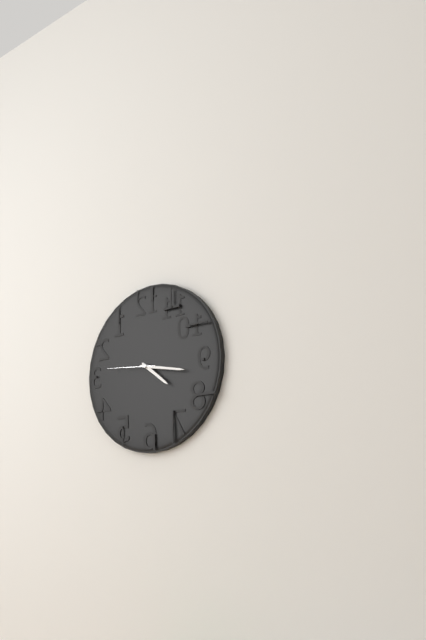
4:17:46
